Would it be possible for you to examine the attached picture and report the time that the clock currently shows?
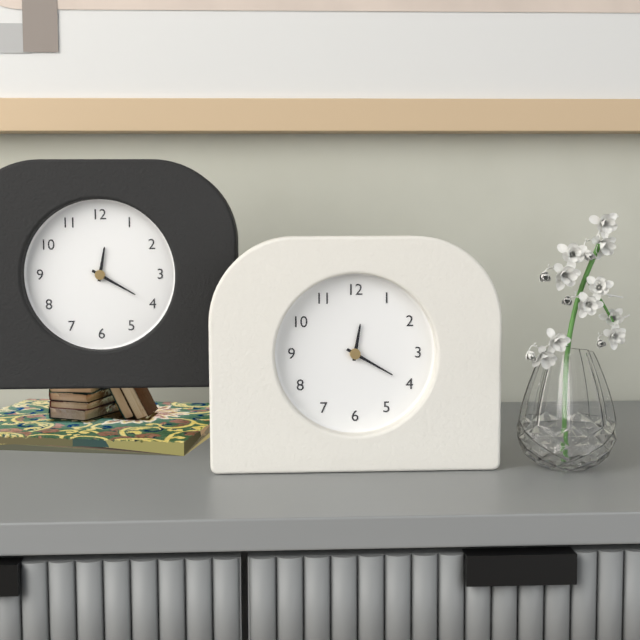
12:20
